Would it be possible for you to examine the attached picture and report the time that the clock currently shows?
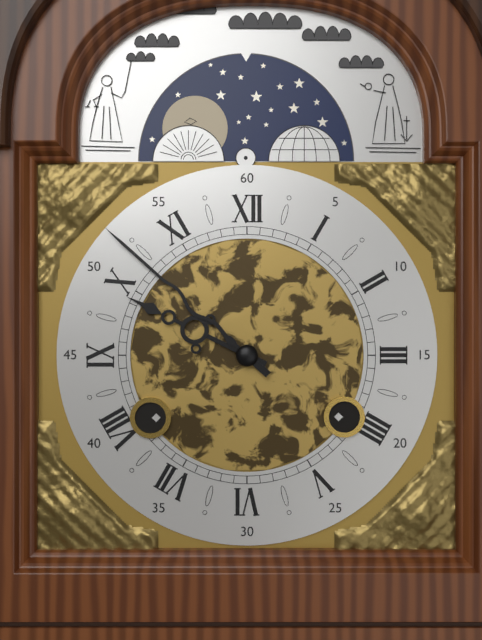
9:52
